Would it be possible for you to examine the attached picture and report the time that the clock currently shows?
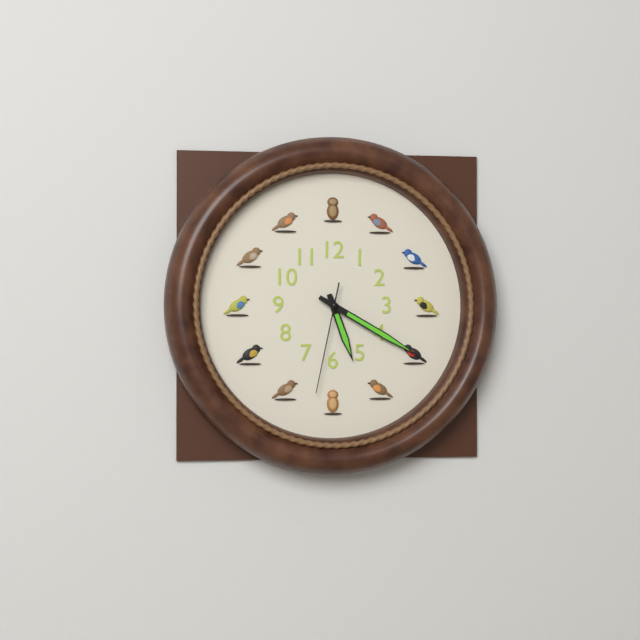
5:20:32
